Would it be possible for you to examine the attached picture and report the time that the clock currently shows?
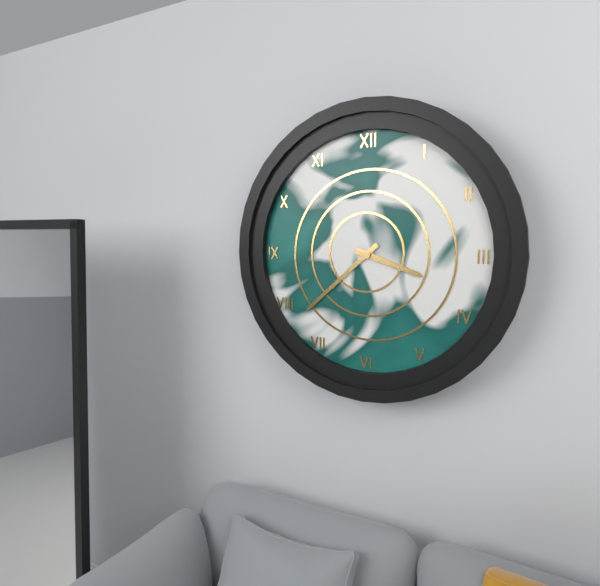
3:38
